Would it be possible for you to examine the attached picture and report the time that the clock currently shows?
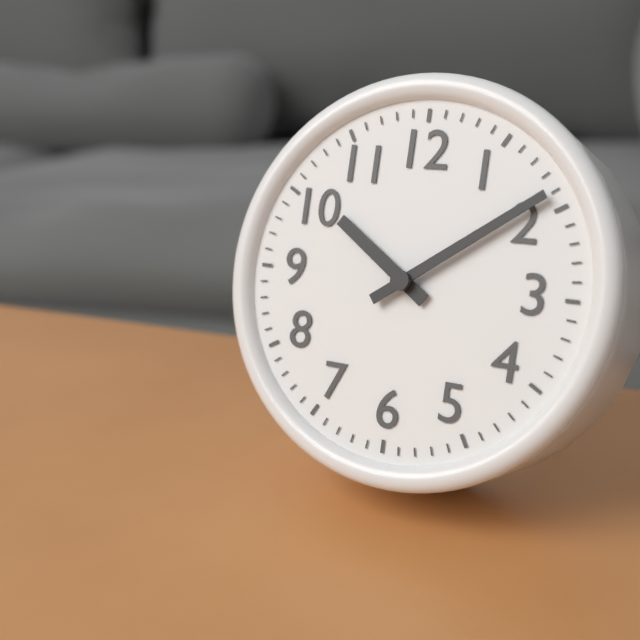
10:09
